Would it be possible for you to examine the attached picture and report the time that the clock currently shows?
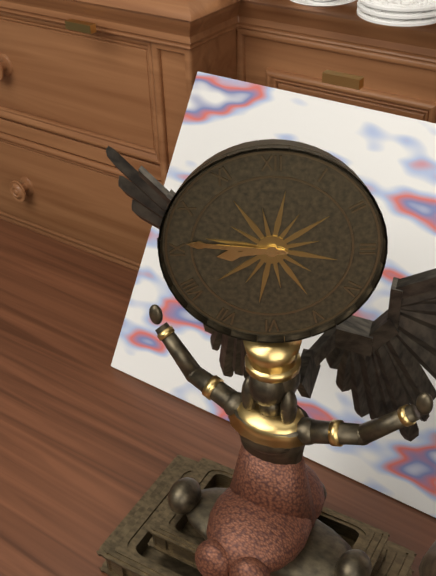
8:46
